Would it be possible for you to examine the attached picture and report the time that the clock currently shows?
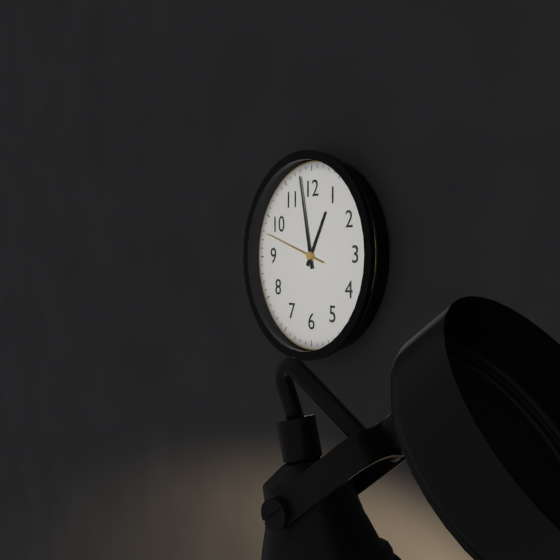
12:58:48
